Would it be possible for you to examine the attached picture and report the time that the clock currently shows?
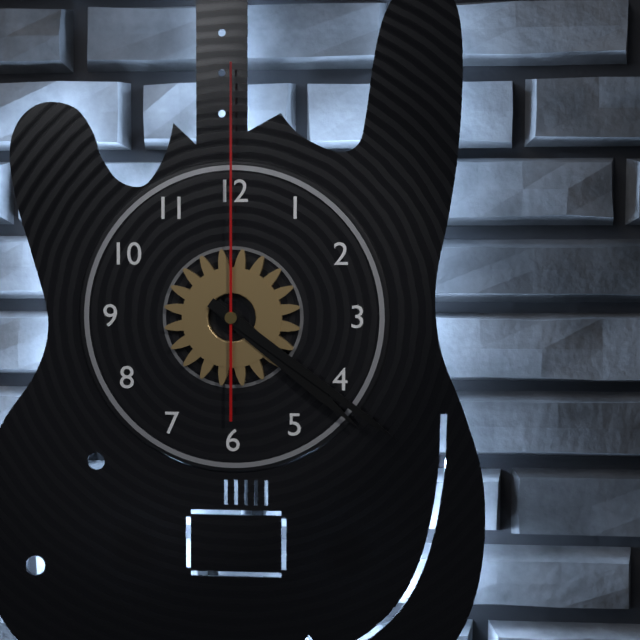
4:21:00
